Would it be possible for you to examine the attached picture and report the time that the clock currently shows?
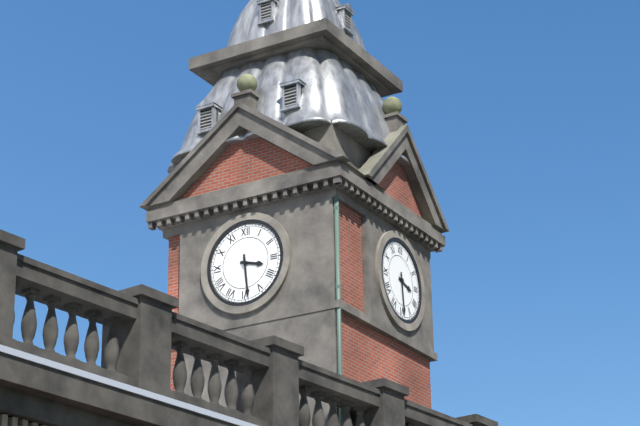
3:29
